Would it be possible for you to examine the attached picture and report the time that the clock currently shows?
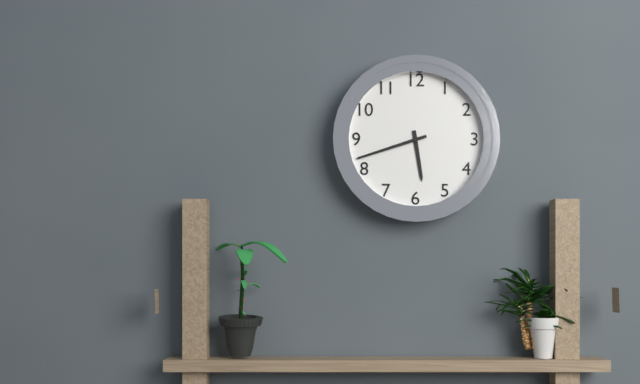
5:42
